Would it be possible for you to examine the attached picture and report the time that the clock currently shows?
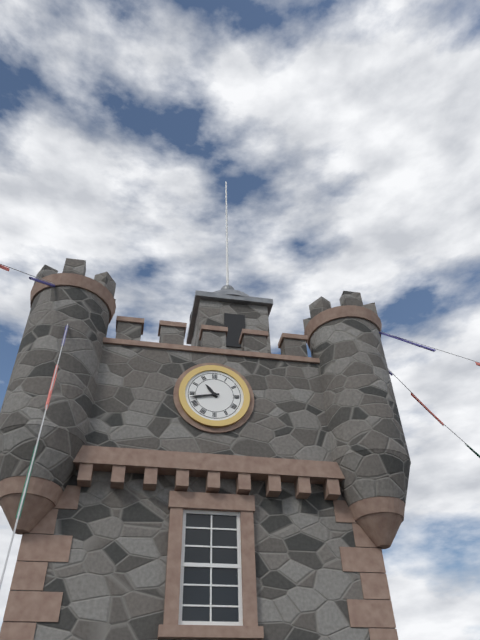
10:43
